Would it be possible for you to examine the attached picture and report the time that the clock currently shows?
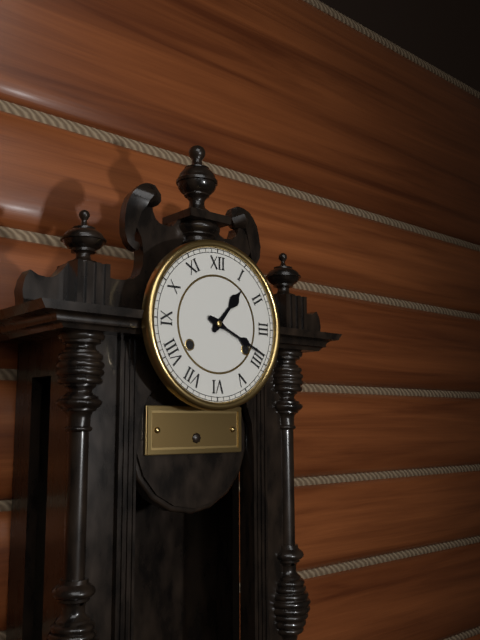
1:19
